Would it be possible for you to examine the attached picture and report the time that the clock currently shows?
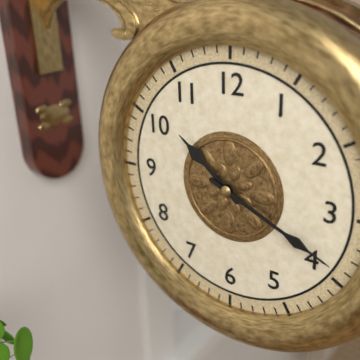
10:19
